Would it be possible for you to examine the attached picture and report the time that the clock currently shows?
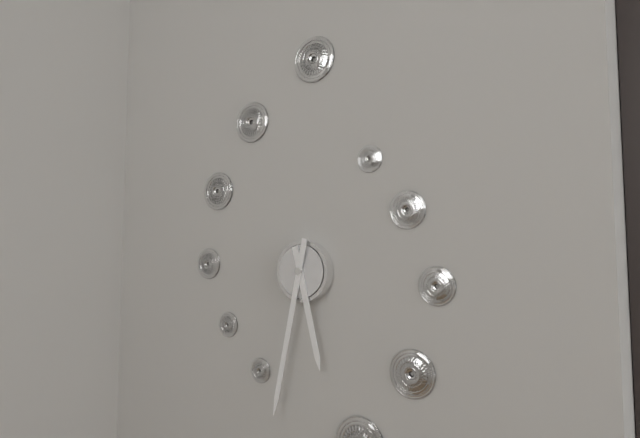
5:32
